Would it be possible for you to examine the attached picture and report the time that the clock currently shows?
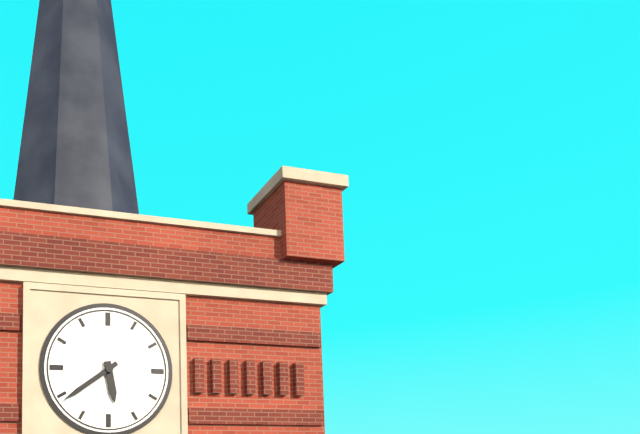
5:39
